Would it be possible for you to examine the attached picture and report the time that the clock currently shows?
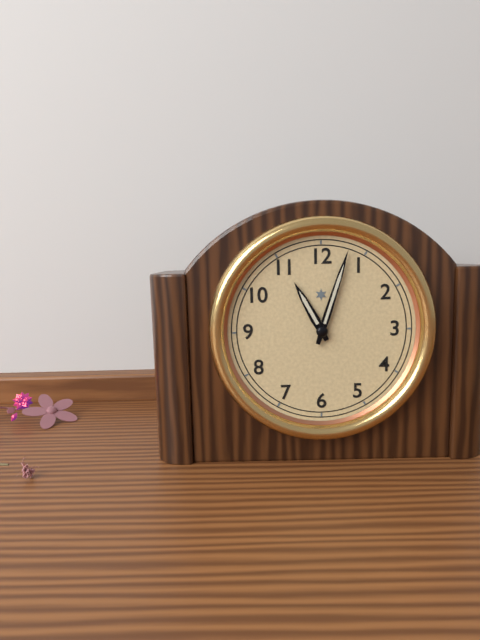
11:03
